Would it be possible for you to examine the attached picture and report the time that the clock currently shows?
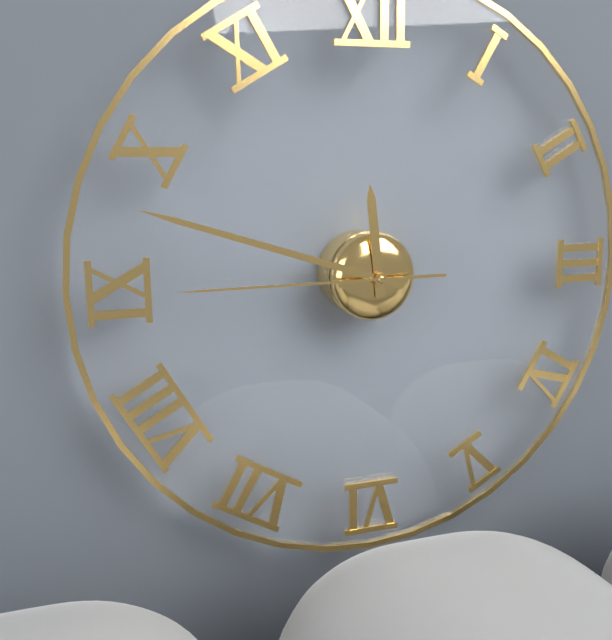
11:48:45
